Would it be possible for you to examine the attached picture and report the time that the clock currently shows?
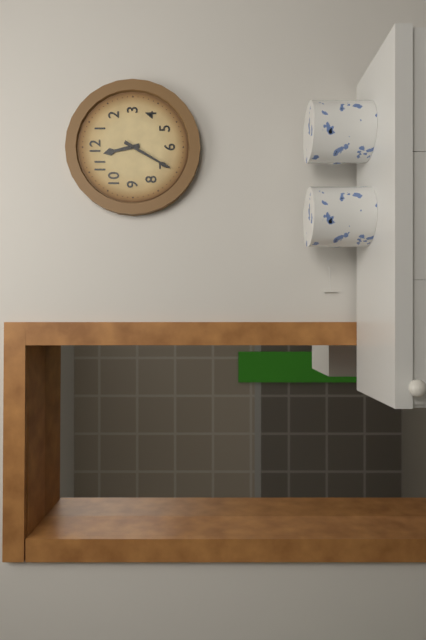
11:35
